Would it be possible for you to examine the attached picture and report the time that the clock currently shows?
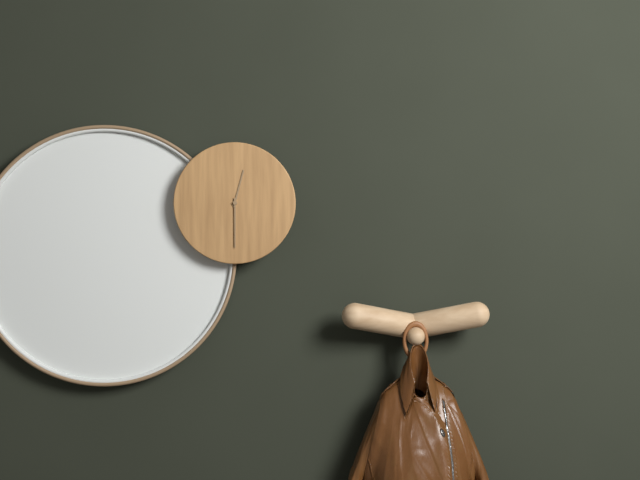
12:30
